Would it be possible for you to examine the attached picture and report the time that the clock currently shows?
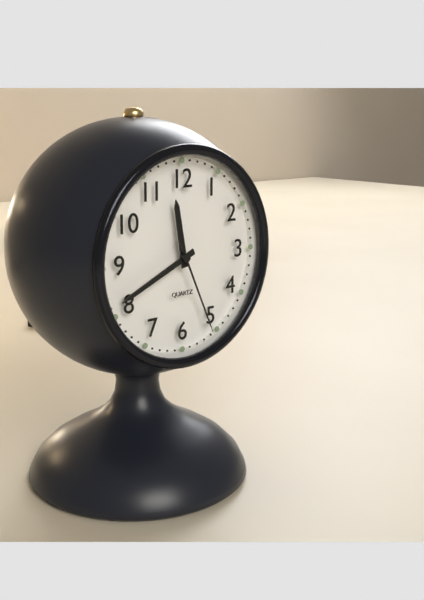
11:41:26
